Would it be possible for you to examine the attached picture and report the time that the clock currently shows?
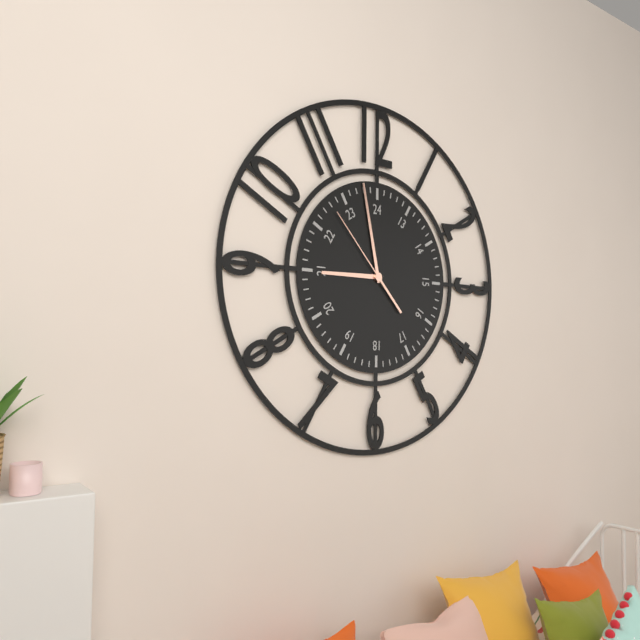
8:58:53
